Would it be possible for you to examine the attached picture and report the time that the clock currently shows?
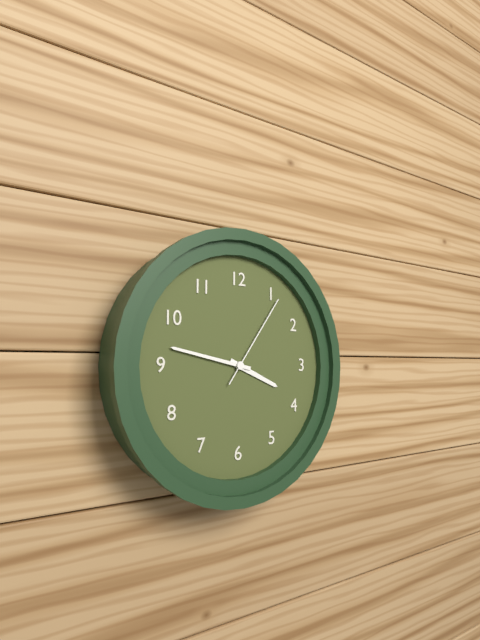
3:47:06
